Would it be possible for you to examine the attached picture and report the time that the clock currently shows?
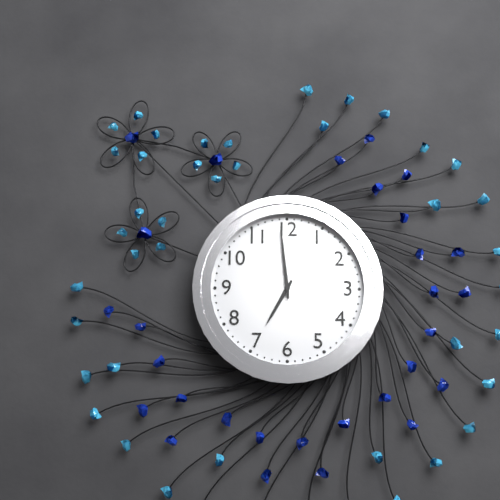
6:59
